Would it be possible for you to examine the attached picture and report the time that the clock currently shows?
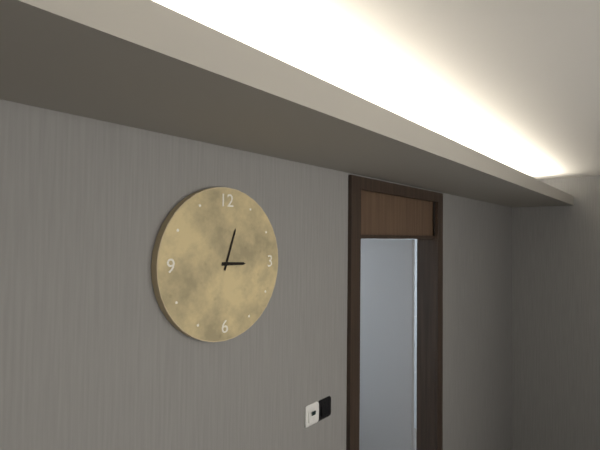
3:03
